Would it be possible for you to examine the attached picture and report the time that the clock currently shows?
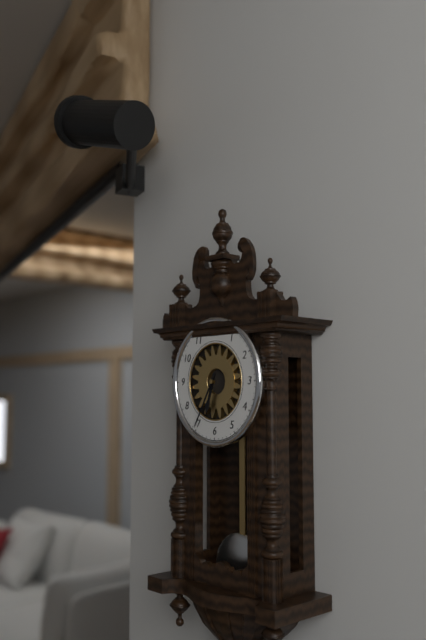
6:35
